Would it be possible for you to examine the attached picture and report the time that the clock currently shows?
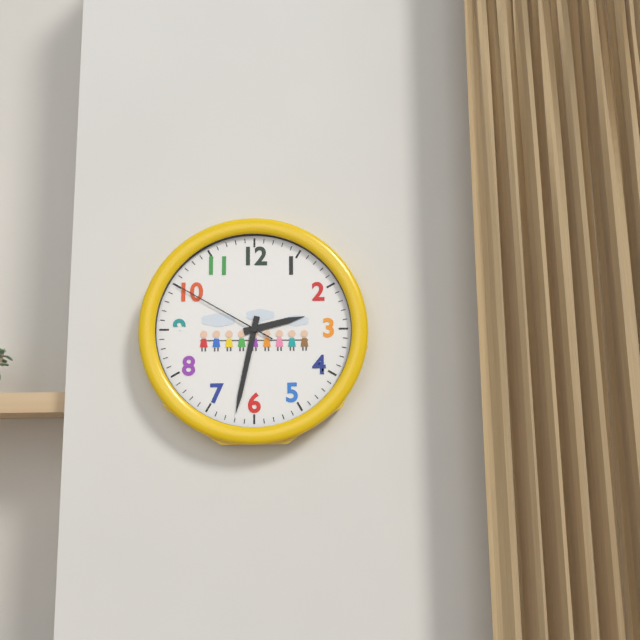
2:32:50
